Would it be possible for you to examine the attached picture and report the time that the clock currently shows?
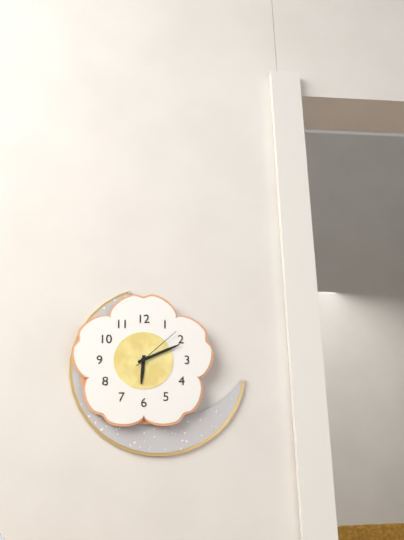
6:11:08
